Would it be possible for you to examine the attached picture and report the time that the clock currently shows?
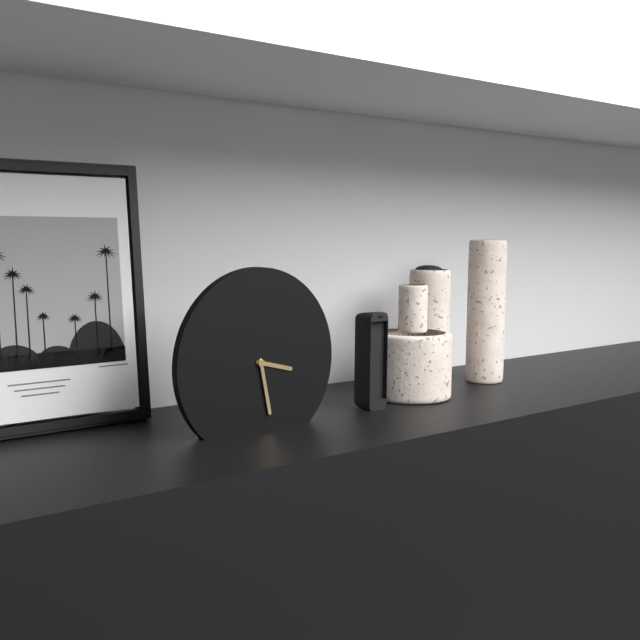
3:28
